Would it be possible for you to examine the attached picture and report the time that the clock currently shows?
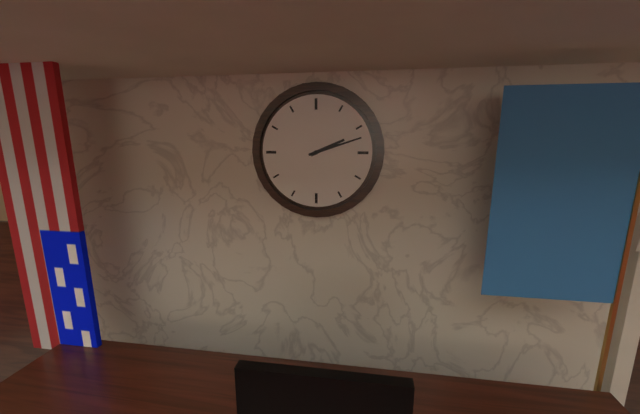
2:12
